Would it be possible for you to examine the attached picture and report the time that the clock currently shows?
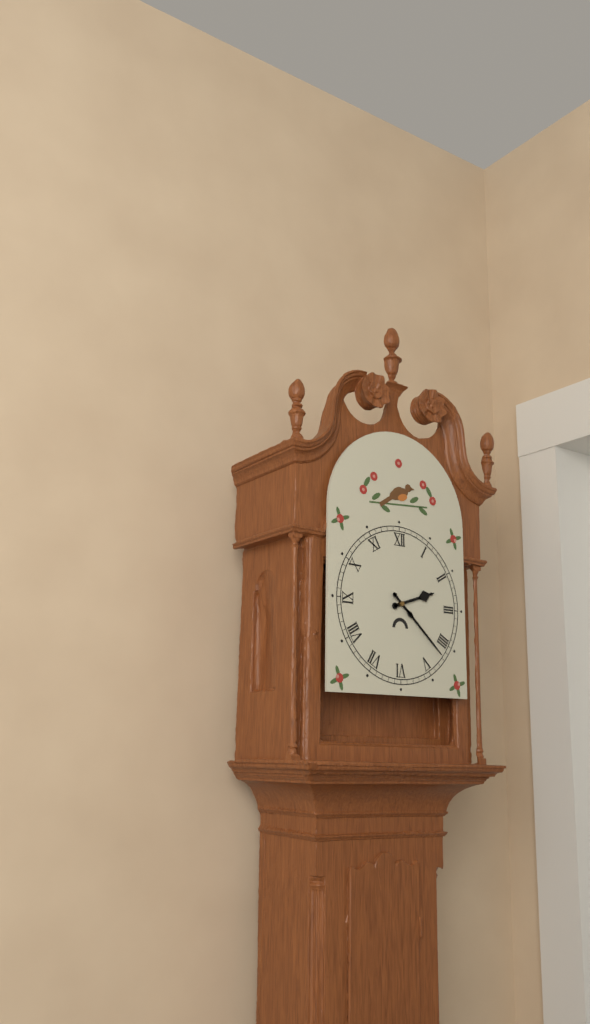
2:22
